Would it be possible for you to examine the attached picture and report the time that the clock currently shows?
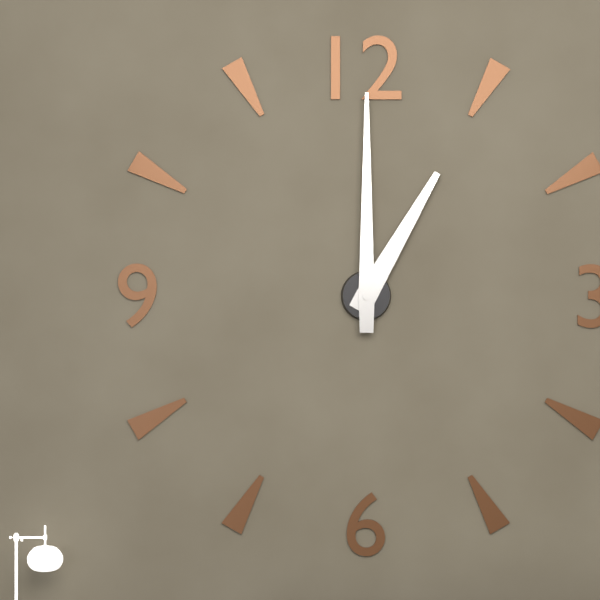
1:00
